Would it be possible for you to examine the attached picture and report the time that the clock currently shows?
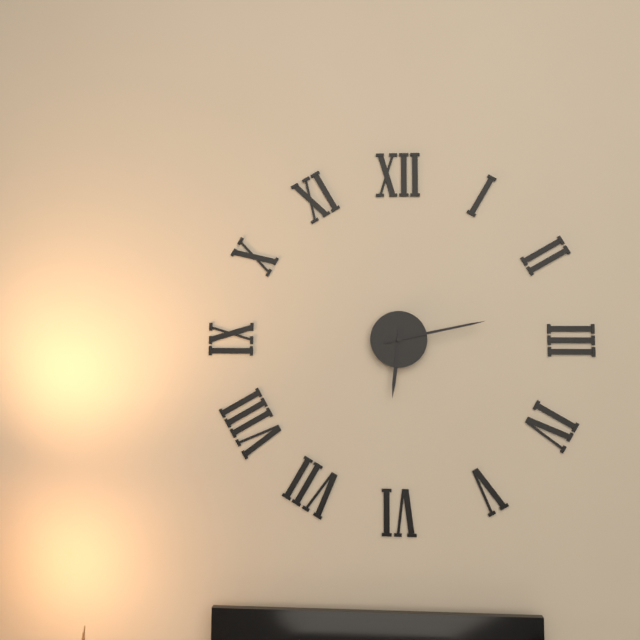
6:13
